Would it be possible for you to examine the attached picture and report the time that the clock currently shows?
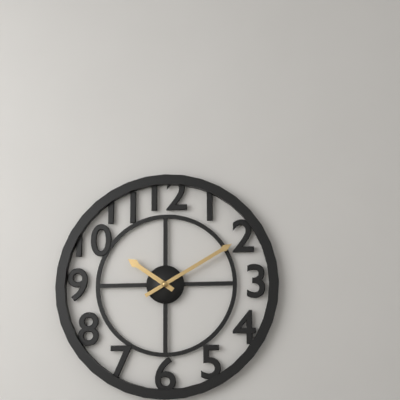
10:10
